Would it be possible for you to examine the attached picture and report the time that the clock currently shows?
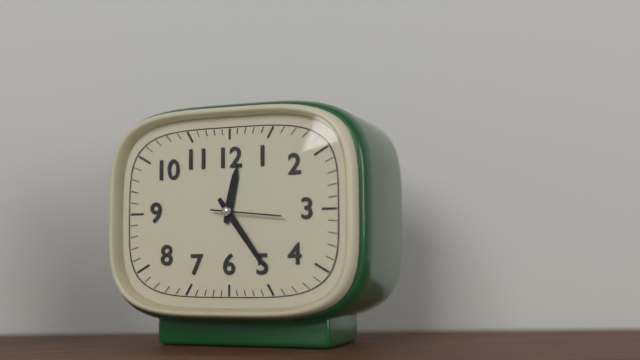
12:24:16
